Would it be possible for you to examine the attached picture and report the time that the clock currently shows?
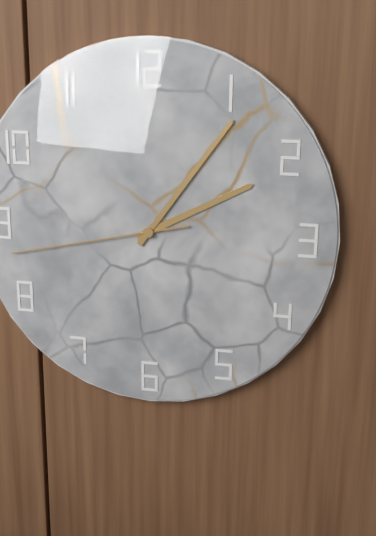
2:06:43
